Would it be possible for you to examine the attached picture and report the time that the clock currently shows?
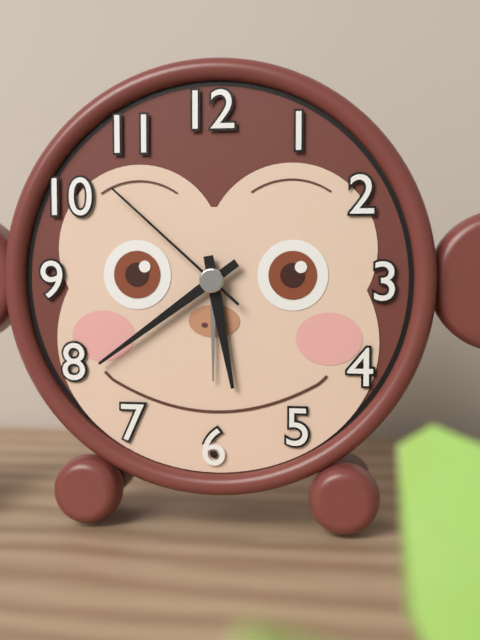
5:39:52
